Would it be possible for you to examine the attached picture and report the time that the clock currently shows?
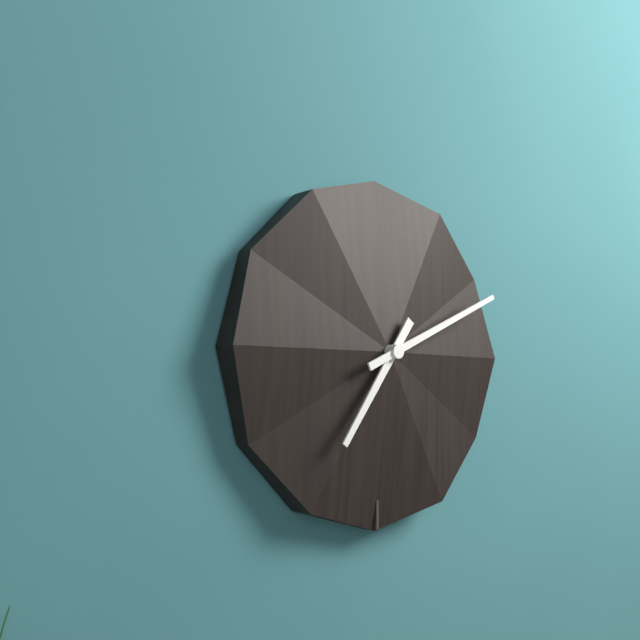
7:11
